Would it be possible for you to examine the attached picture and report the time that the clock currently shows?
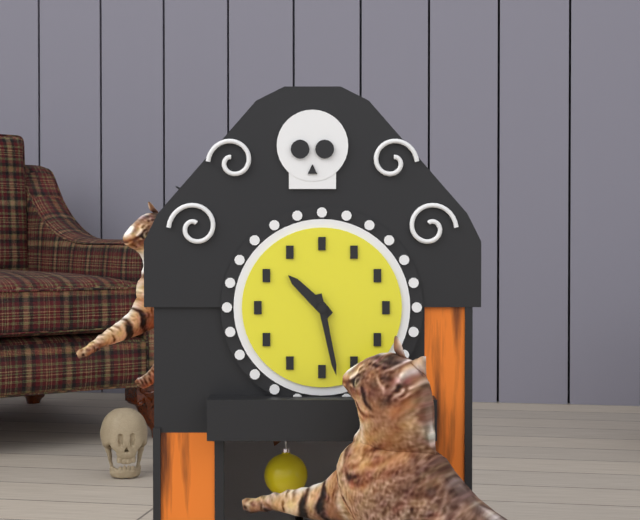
10:28
